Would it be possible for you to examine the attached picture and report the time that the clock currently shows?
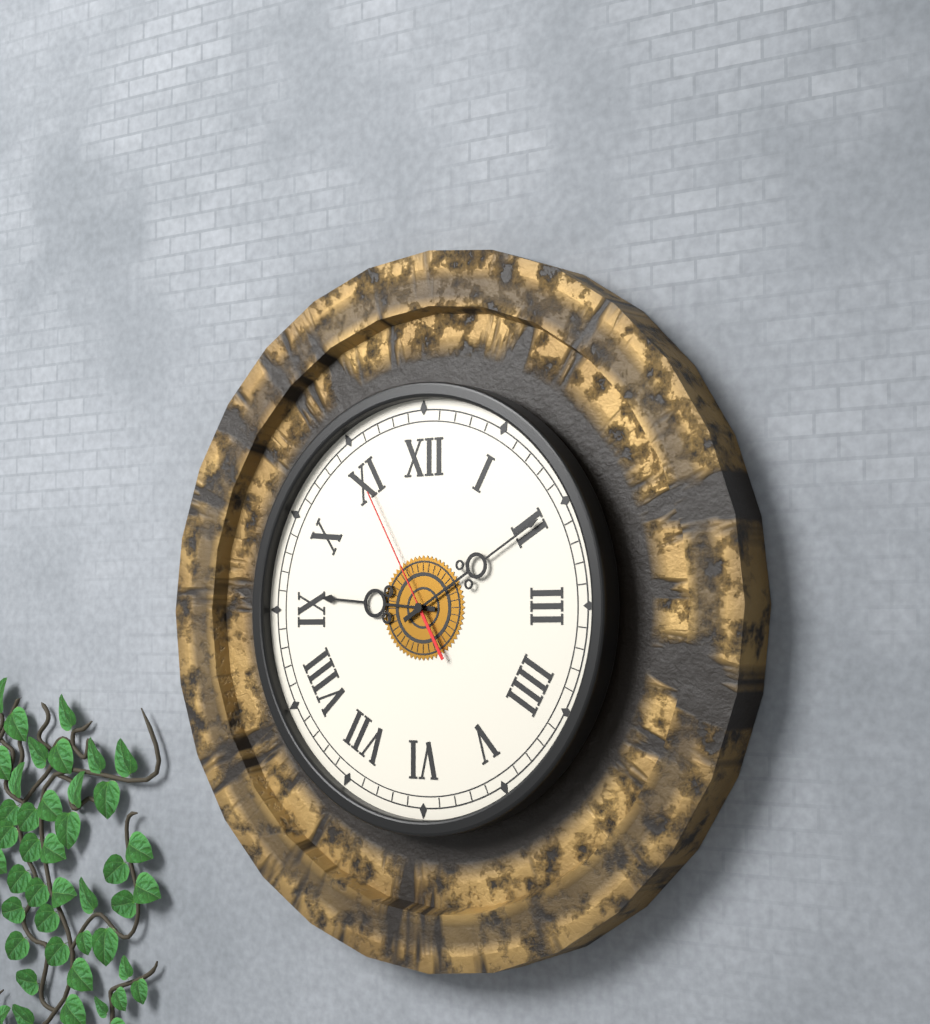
9:10:55
